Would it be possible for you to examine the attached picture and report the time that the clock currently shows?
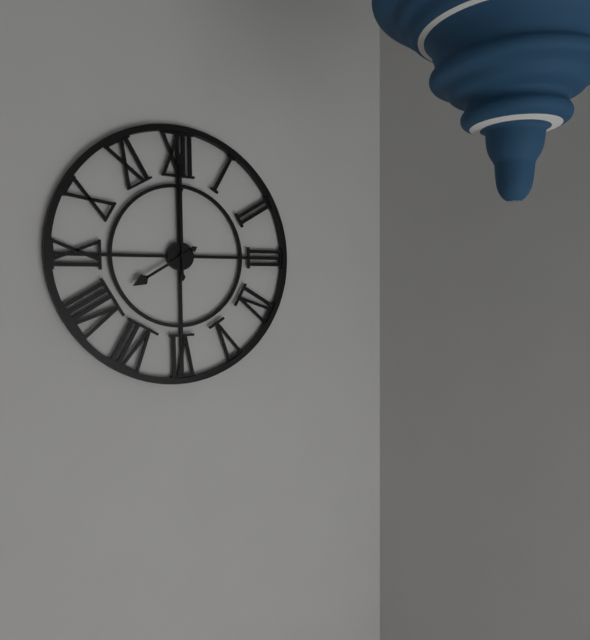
8:00
